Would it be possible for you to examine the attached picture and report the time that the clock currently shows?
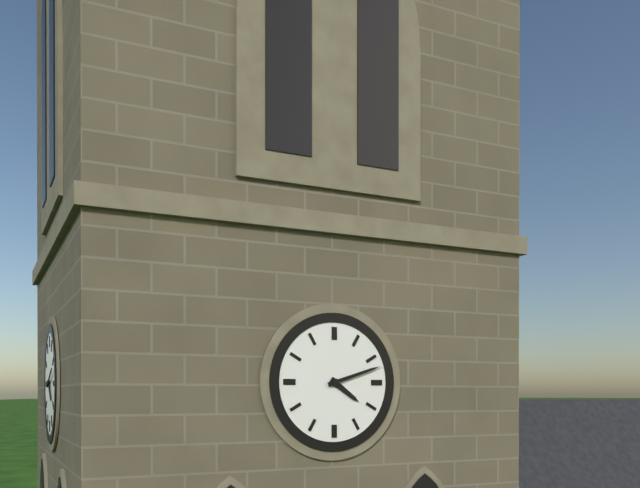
4:12
